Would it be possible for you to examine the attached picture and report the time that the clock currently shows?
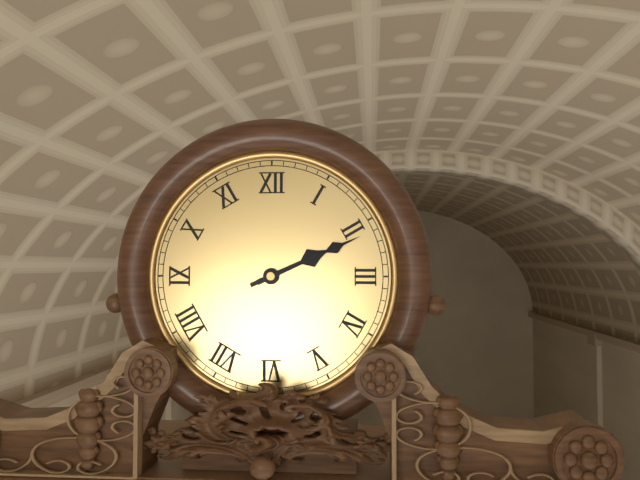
2:11
